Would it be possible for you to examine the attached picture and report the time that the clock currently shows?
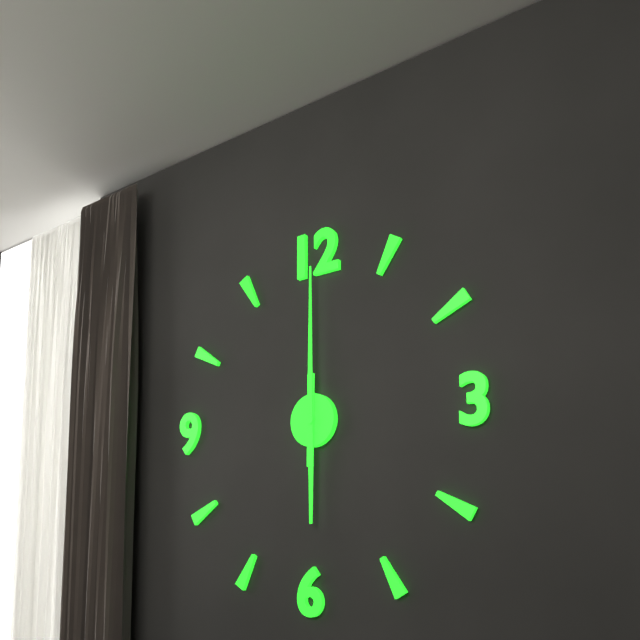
6:00
